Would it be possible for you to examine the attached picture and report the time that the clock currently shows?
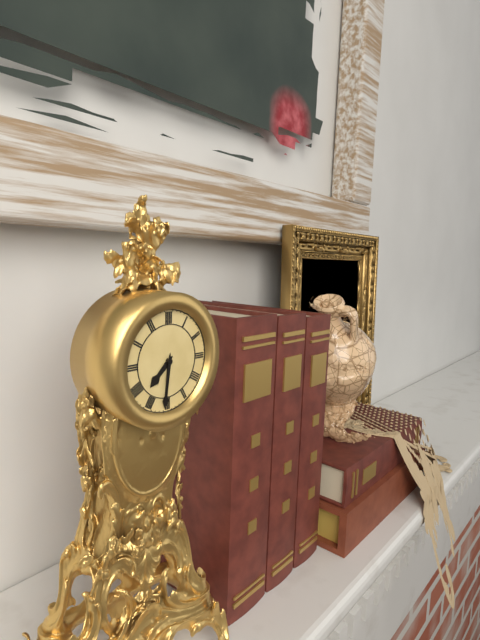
7:31
